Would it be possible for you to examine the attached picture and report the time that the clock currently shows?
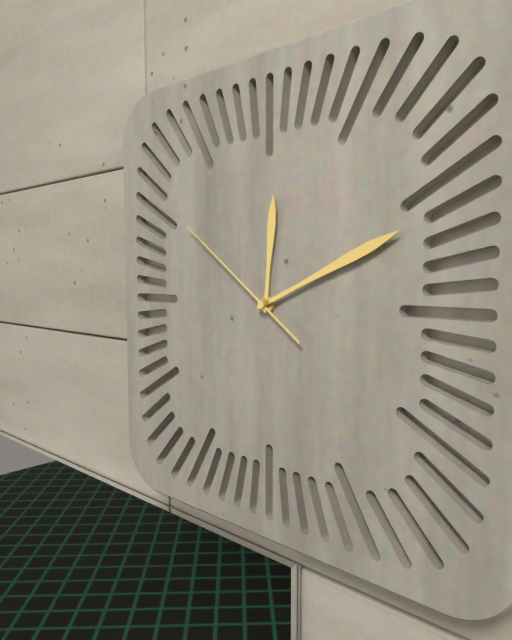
12:11:51
